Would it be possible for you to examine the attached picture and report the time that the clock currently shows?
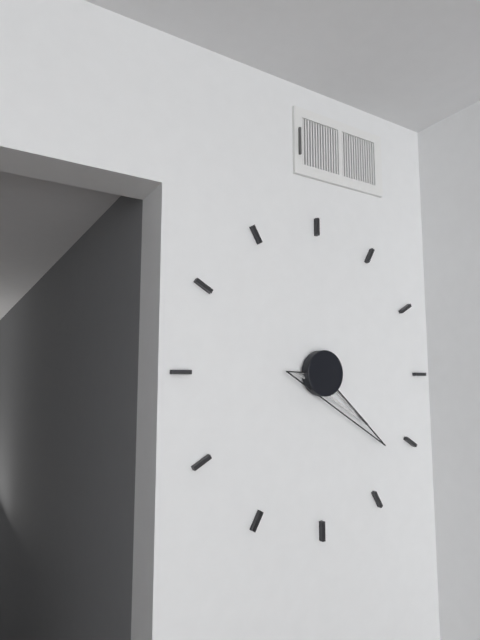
4:22
